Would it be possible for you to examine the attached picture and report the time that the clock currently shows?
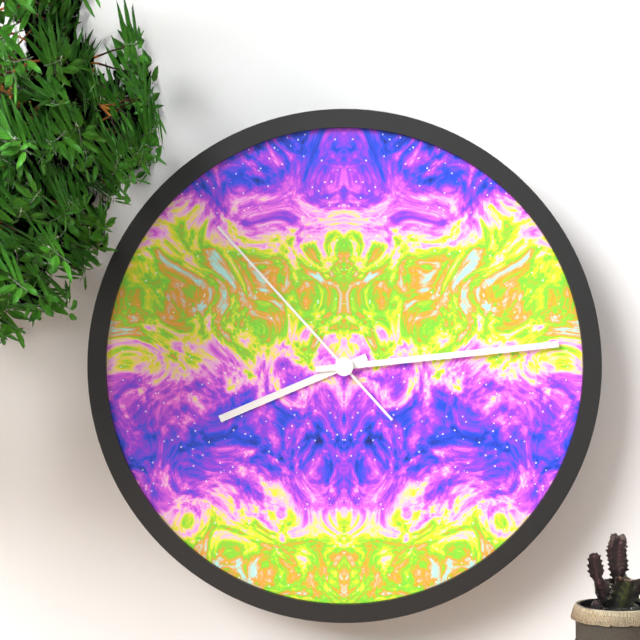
8:14:53
